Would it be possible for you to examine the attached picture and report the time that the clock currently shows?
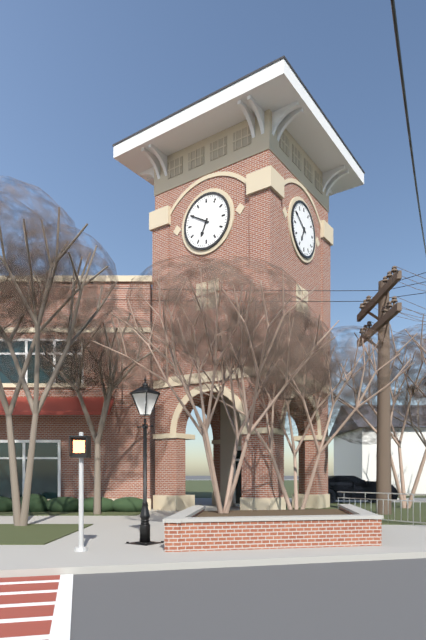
6:50
